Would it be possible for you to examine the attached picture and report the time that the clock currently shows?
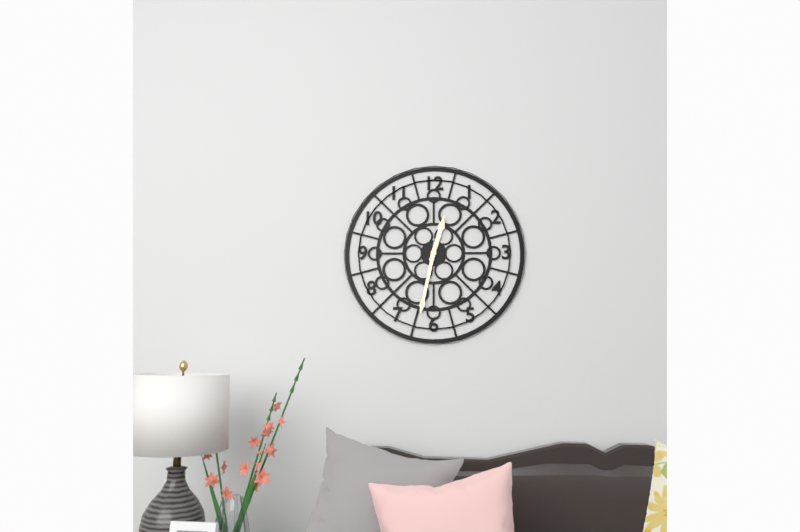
12:32
